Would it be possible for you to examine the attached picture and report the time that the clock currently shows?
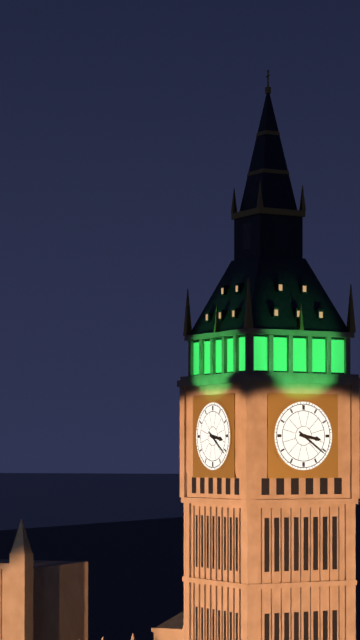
3:21
